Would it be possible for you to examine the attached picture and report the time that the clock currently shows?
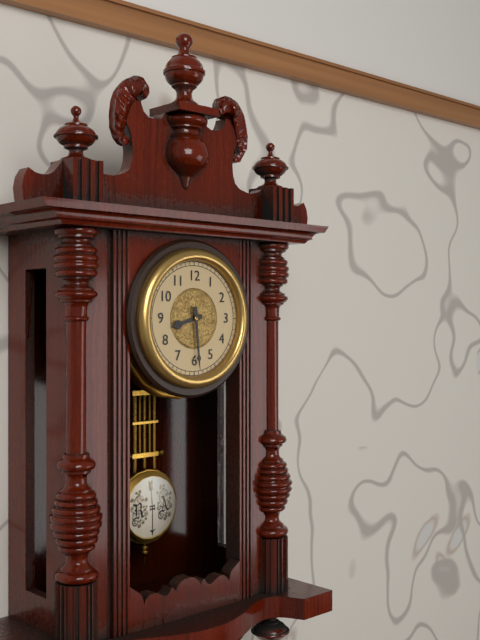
8:29
